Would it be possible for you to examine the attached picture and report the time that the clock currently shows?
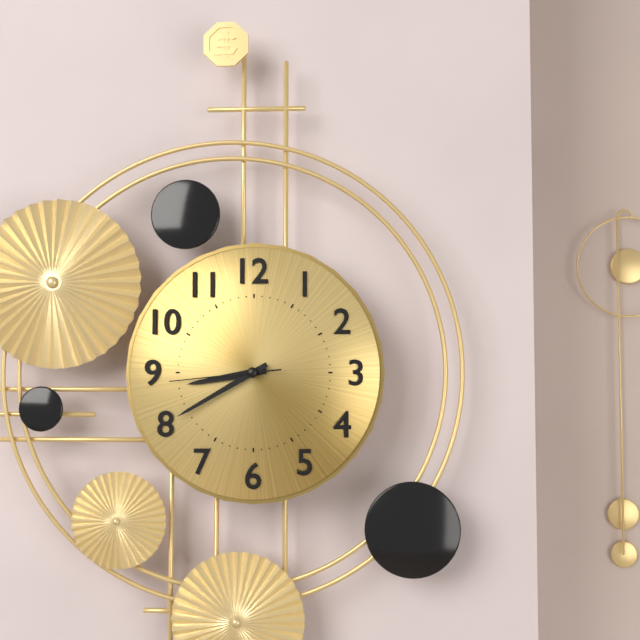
8:40:44
